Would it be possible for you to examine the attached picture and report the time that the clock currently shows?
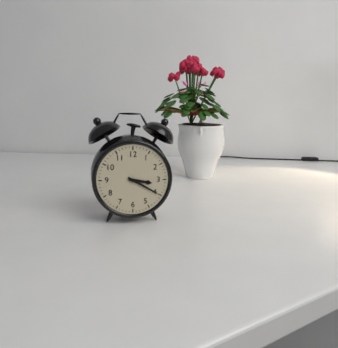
3:20
